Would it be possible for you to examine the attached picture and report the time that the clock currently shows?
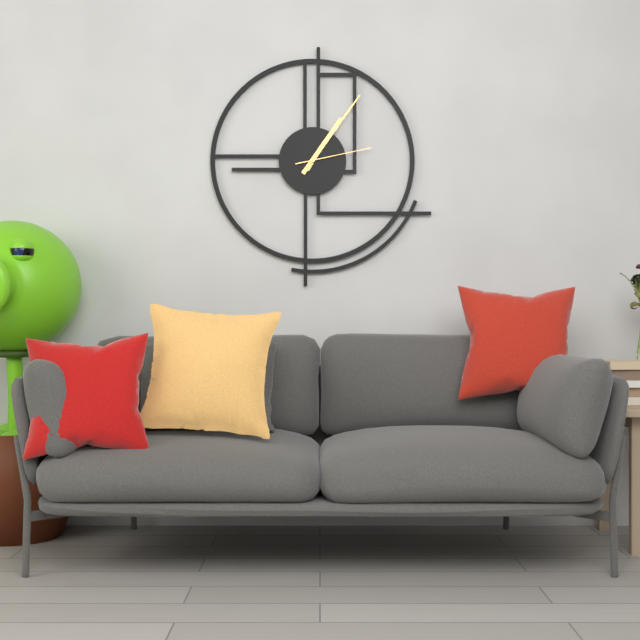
1:06:13
